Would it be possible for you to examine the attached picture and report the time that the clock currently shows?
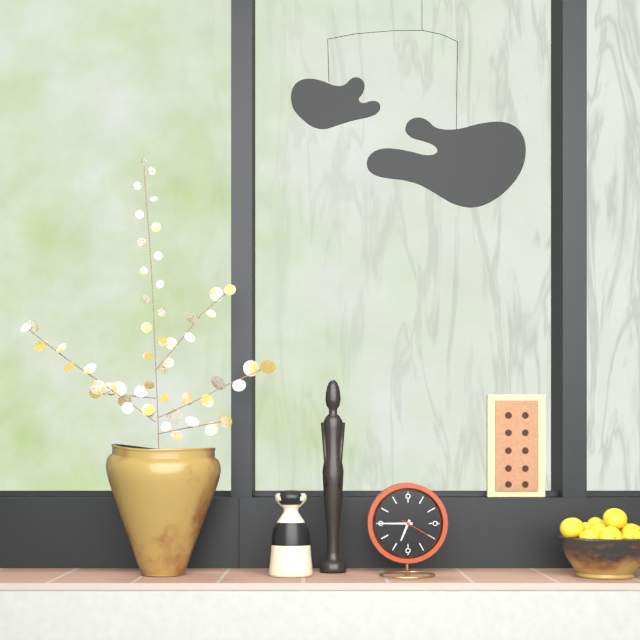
6:45
